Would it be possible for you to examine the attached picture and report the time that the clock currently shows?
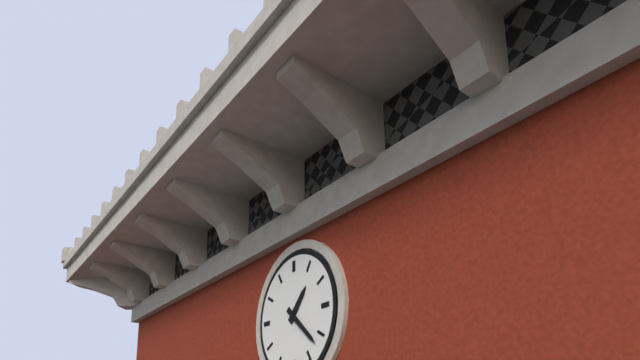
1:22
